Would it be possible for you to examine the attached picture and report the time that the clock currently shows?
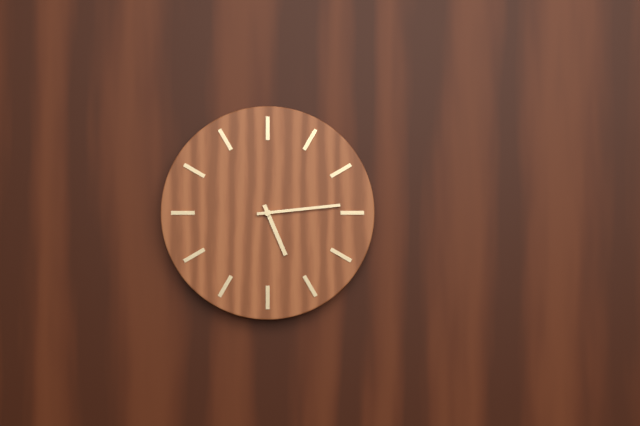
5:14
